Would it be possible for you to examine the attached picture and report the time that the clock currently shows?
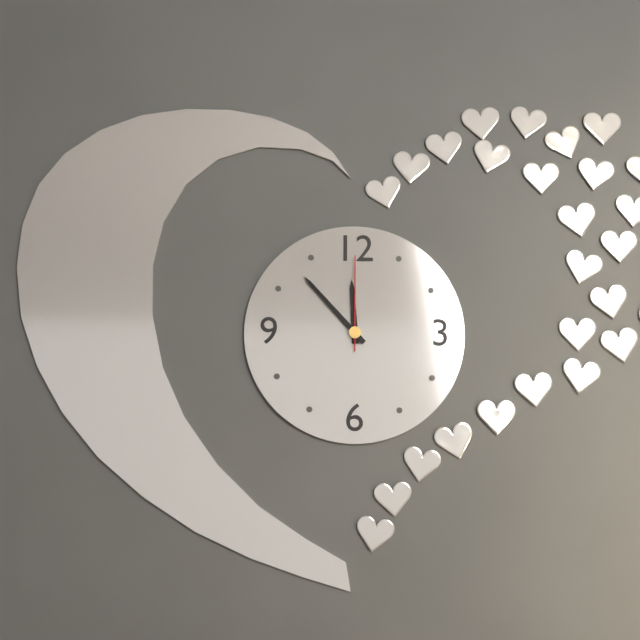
11:53:00
